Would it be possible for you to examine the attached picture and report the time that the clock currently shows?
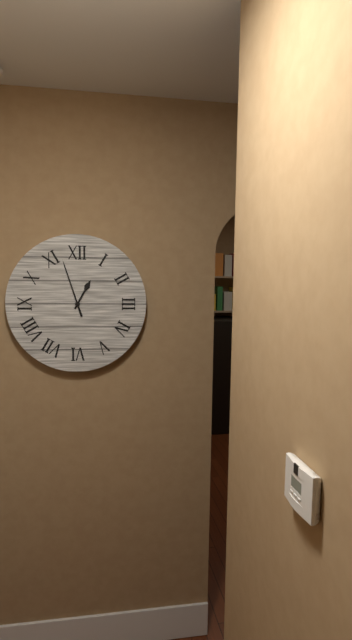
12:57
